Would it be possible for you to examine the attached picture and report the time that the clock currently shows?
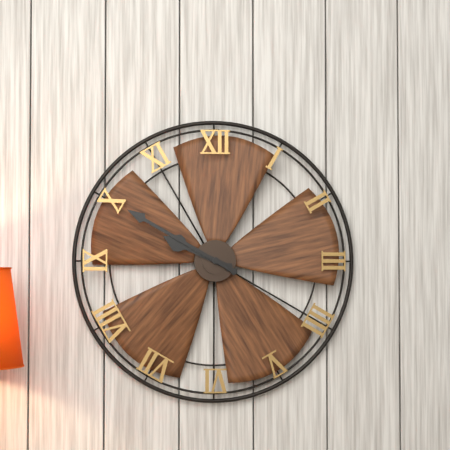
9:50
